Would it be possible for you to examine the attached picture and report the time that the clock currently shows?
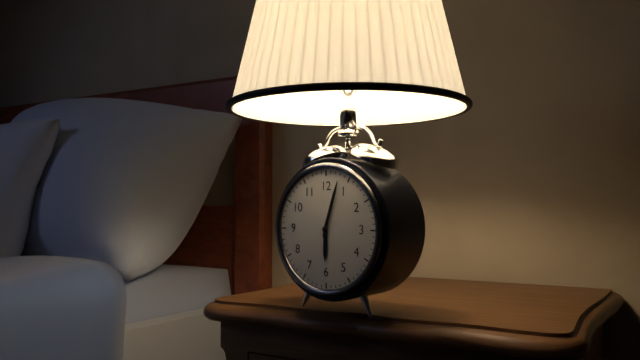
6:03
